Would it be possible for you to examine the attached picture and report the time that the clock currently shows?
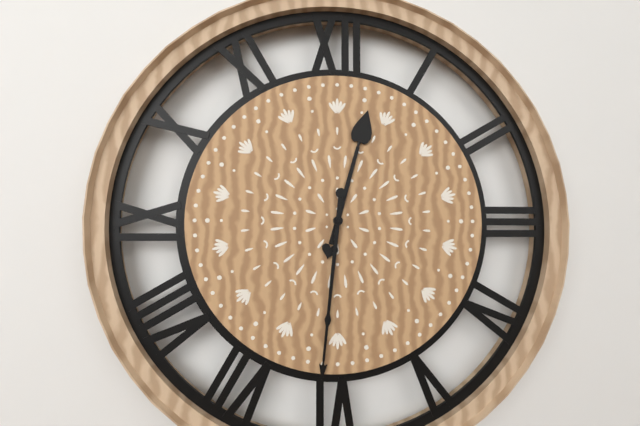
12:31
